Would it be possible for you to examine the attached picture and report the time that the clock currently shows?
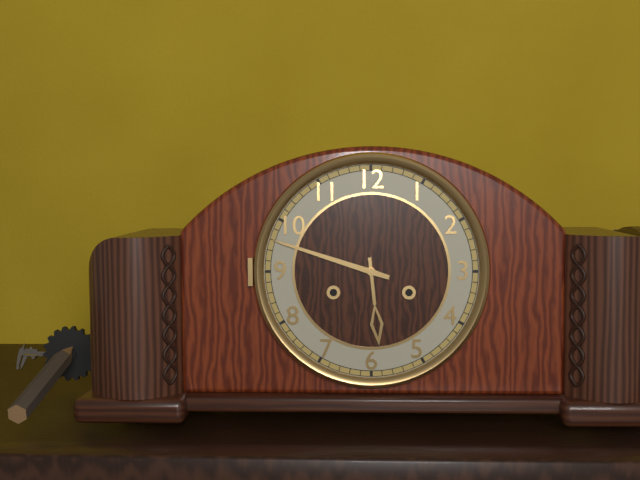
5:48
